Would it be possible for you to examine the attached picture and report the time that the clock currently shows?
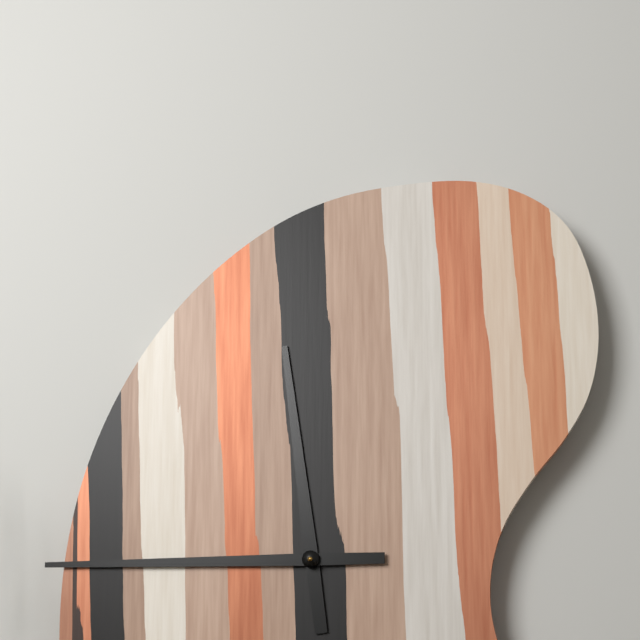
11:45
